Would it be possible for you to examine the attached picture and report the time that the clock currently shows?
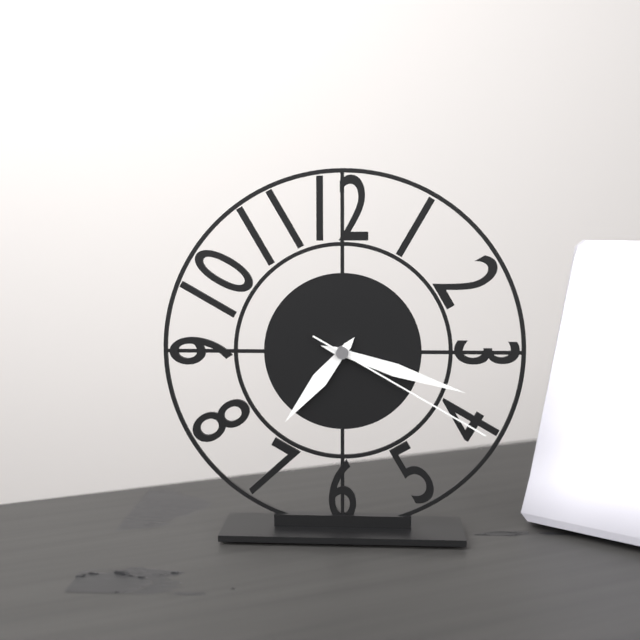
7:18:20
